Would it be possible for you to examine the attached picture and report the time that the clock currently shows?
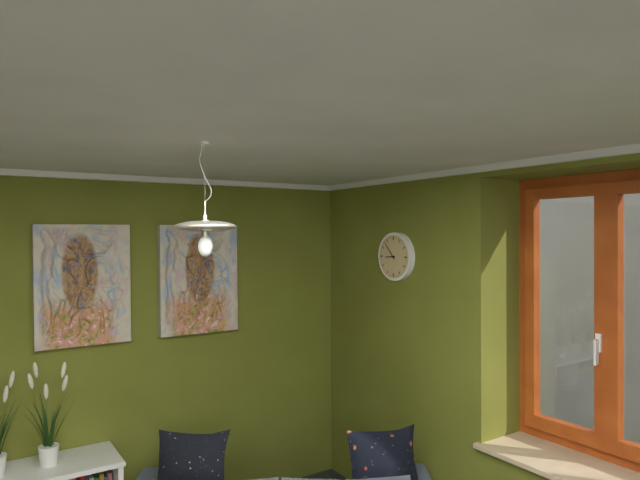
8:53
